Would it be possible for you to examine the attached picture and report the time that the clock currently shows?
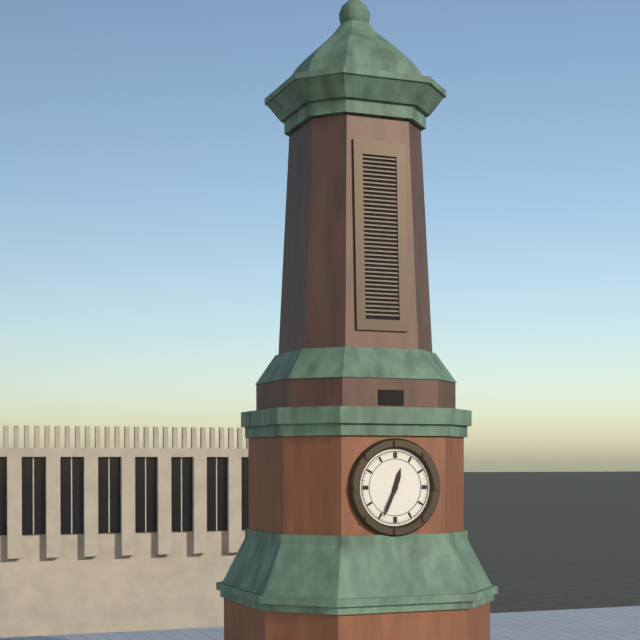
12:34
